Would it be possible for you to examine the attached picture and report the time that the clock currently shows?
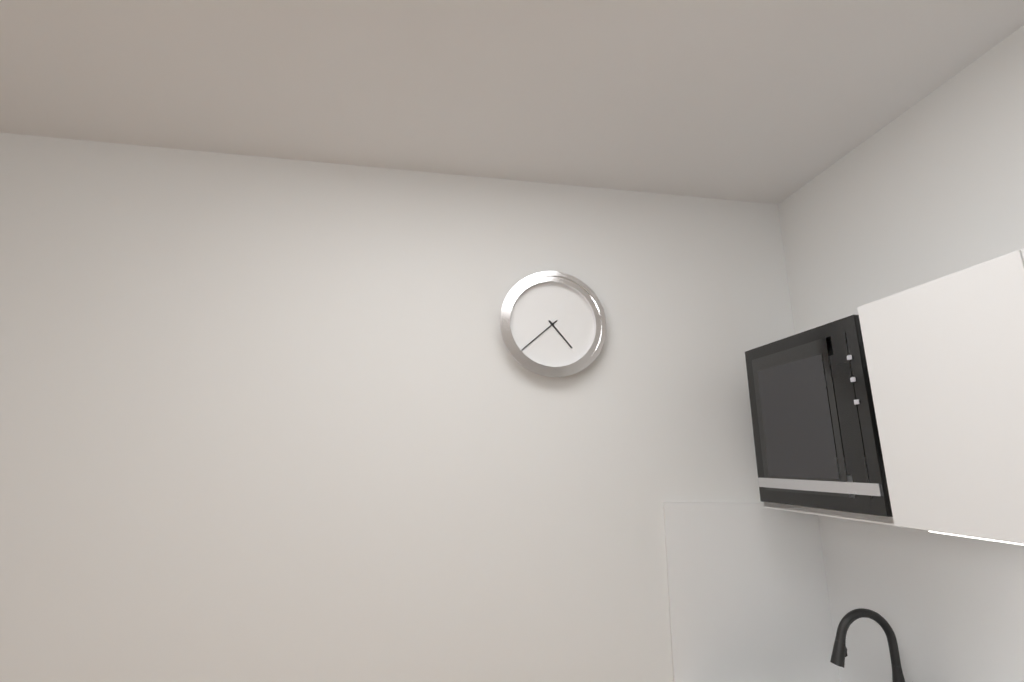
4:38
